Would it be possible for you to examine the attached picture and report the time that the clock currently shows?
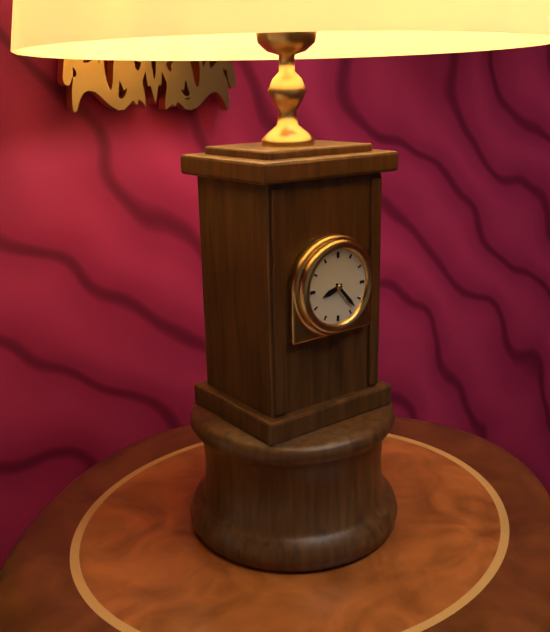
8:23
